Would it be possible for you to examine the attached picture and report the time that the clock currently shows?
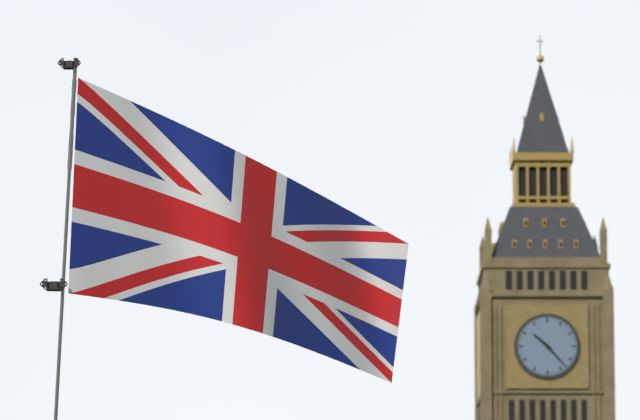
10:23
